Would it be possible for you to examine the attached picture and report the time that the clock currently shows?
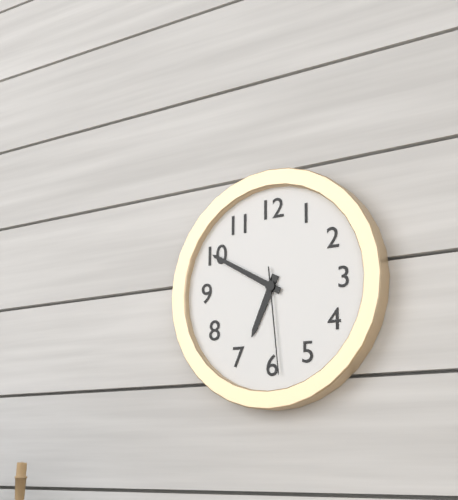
6:50:29
